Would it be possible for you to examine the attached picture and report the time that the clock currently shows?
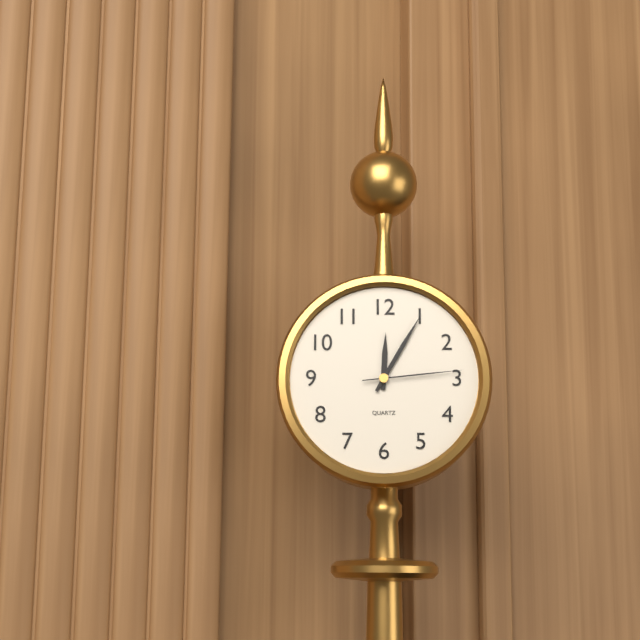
12:05:14
